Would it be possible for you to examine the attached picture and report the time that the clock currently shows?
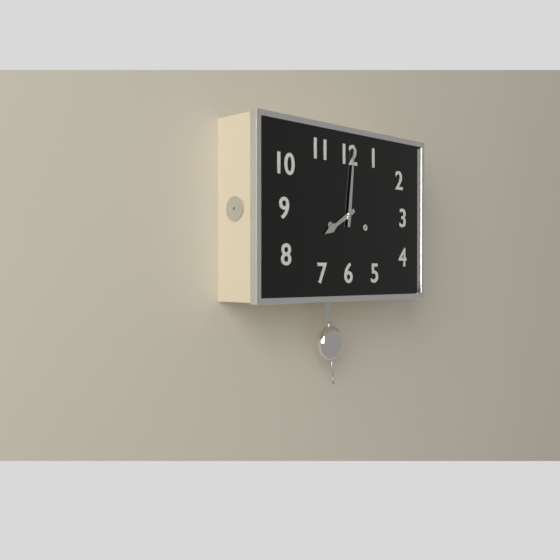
8:01
